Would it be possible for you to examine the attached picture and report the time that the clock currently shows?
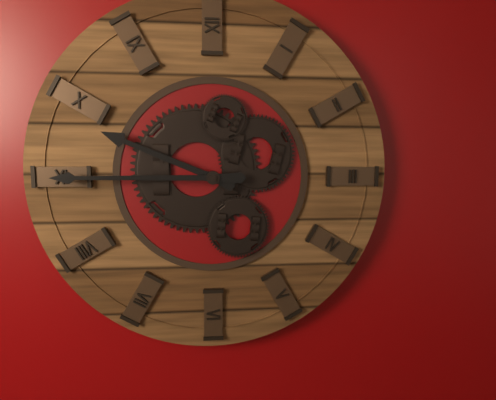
9:45
